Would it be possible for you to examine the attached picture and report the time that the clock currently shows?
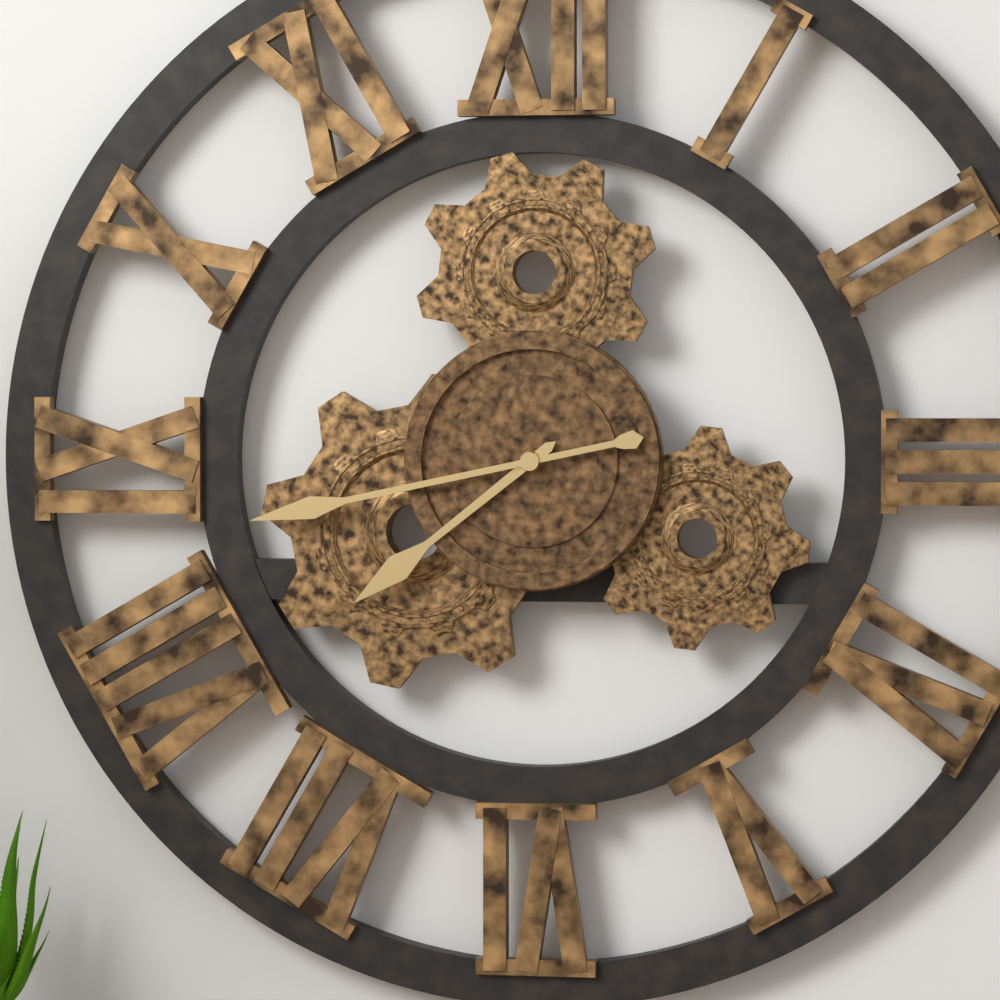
7:43
